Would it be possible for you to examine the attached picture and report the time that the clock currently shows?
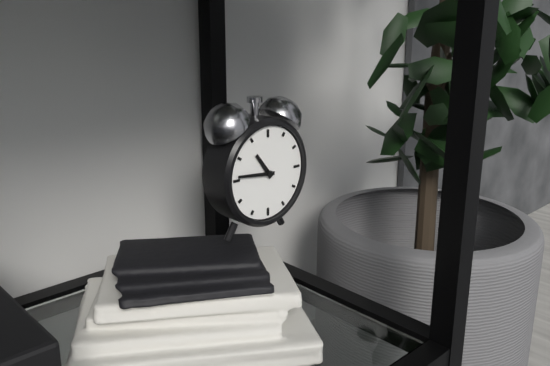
10:46
